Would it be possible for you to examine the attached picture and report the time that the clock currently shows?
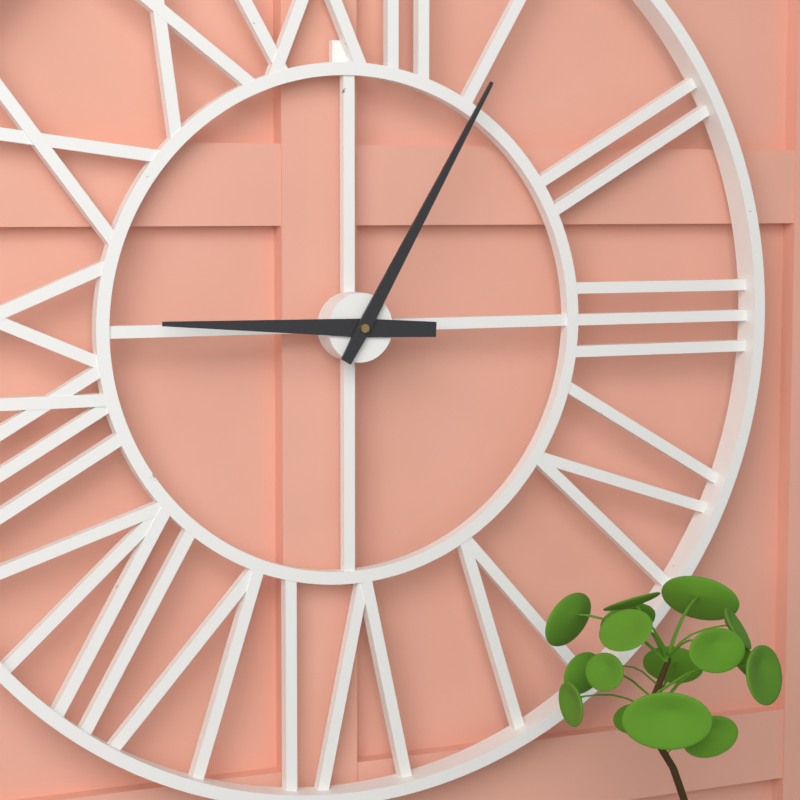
9:05
